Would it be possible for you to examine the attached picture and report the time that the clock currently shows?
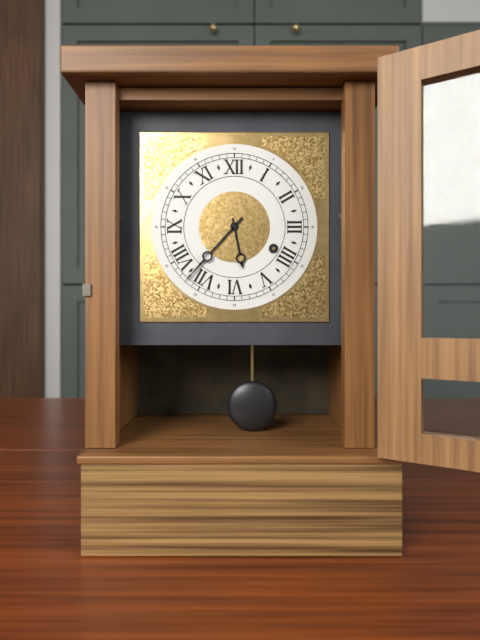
5:37
